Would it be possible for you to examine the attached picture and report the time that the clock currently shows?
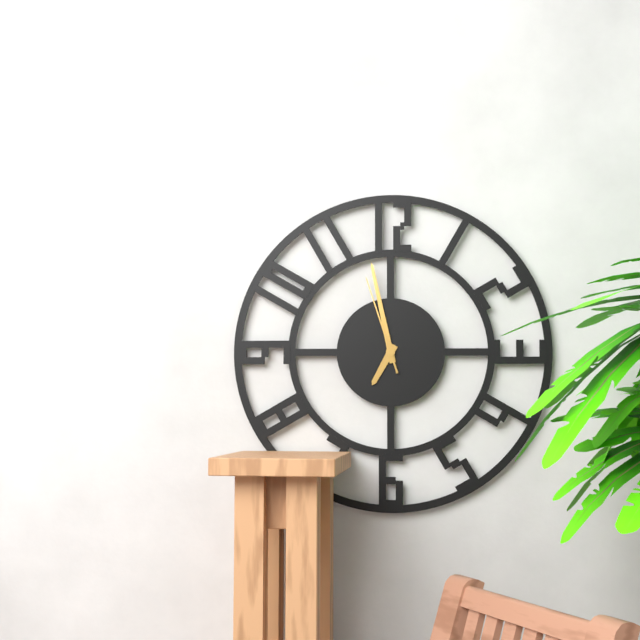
6:58:57
